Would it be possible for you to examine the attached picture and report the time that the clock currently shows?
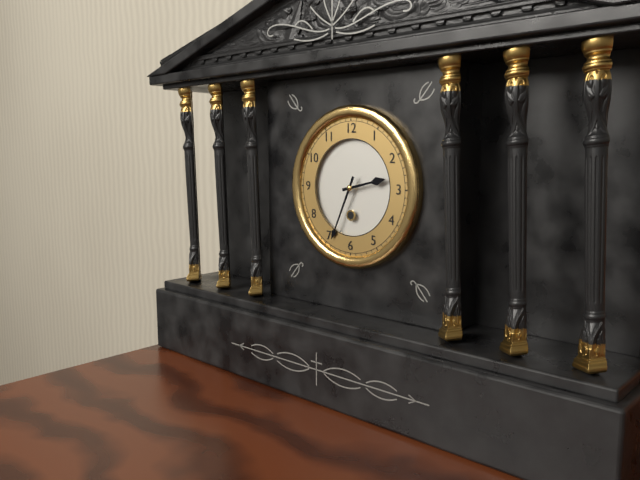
2:34
